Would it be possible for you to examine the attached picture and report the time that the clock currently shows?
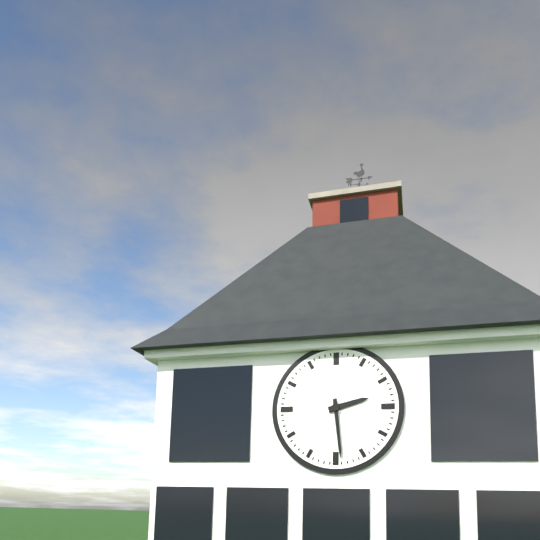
2:29
